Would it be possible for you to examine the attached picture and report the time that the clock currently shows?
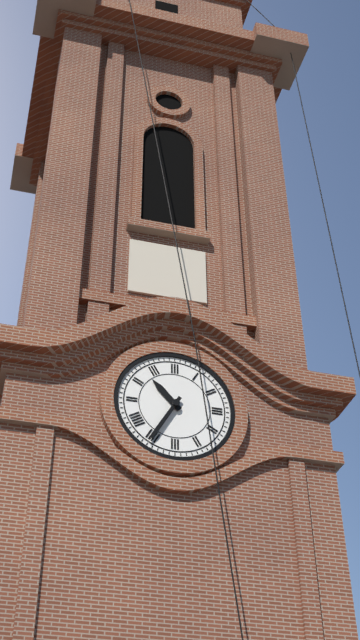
10:35
